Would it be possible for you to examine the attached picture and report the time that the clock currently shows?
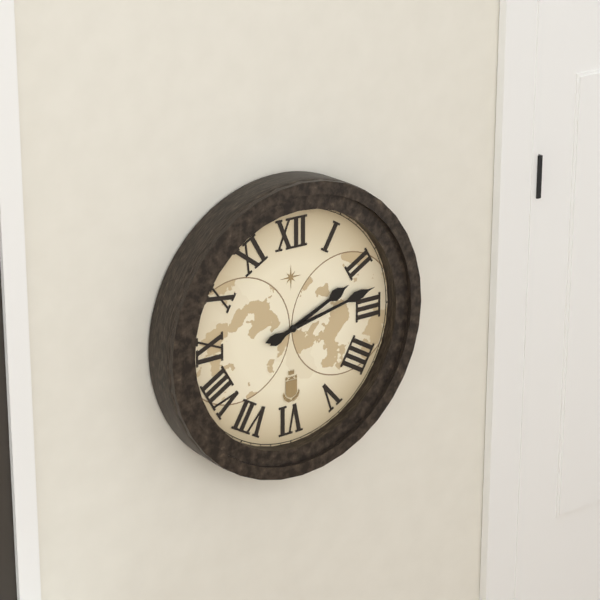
2:13
